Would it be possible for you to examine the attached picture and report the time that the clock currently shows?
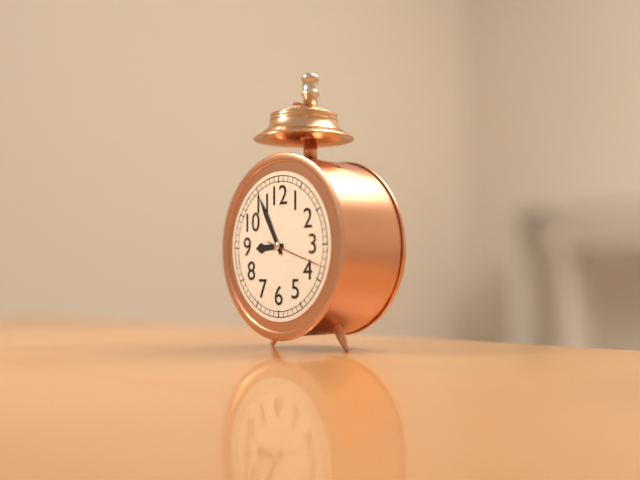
8:55:18
